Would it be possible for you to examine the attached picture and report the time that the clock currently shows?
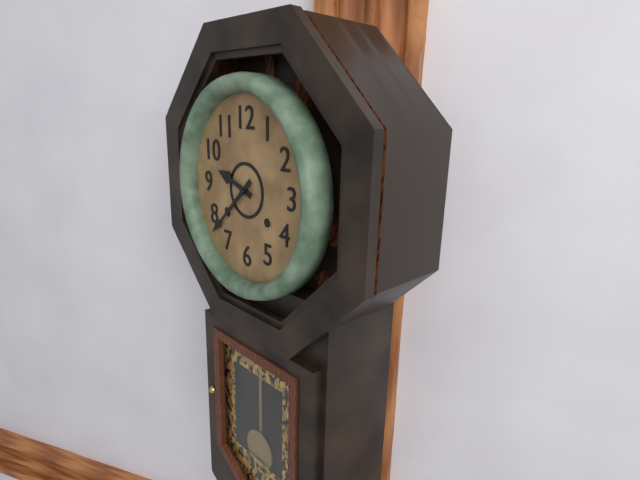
9:38
